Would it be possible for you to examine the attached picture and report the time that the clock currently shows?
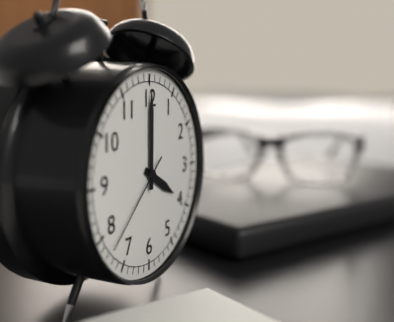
4:00:38
